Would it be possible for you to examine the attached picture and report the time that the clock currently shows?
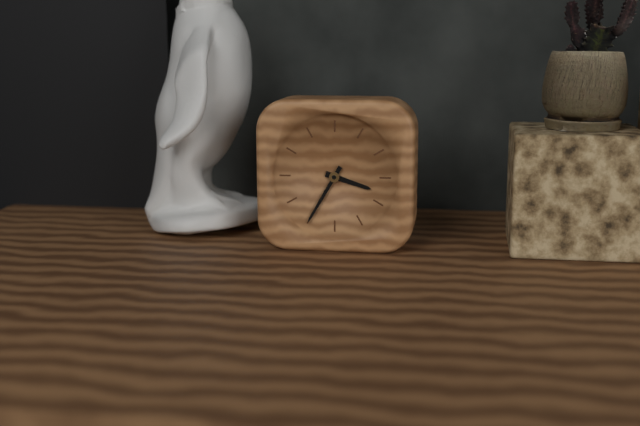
3:35
